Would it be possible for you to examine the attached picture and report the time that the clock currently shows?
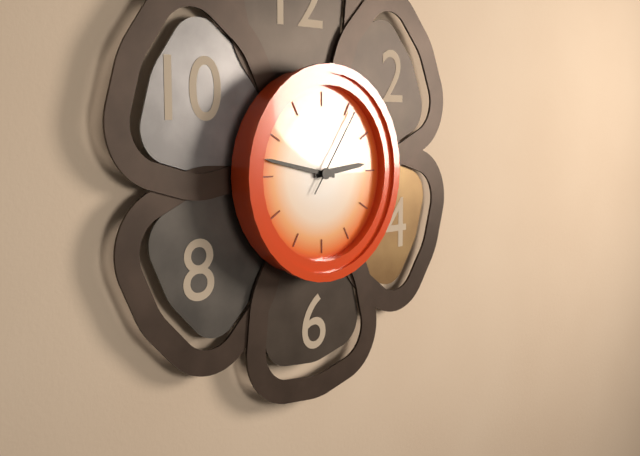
2:47:06
